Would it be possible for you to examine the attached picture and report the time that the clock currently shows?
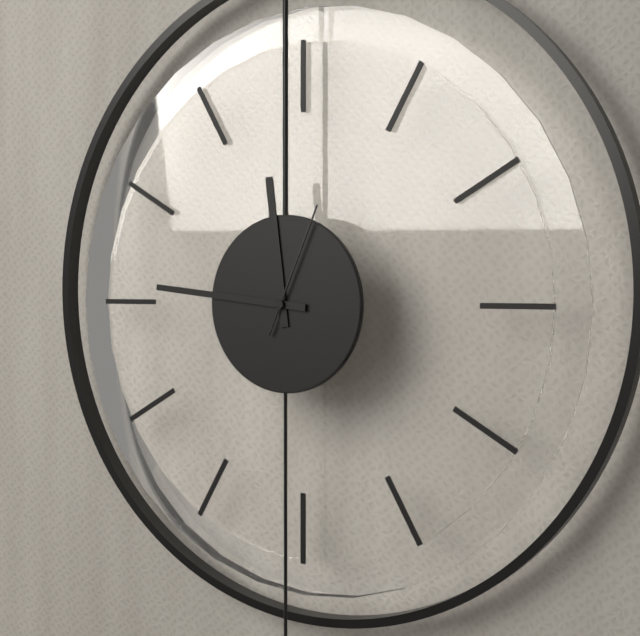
11:46:04
